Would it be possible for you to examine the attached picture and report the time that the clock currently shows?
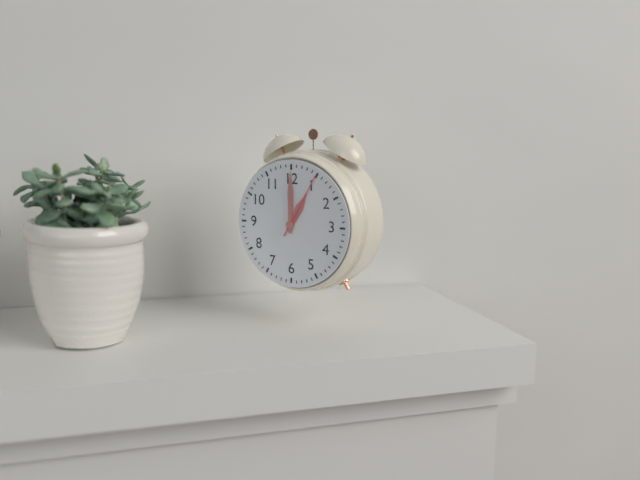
1:00:05
